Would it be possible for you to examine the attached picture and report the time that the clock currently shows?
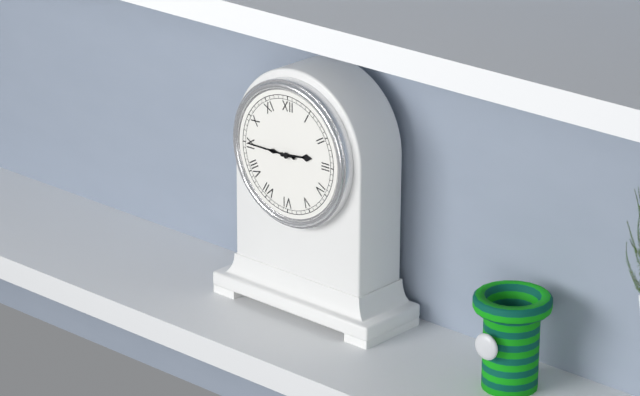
2:45
